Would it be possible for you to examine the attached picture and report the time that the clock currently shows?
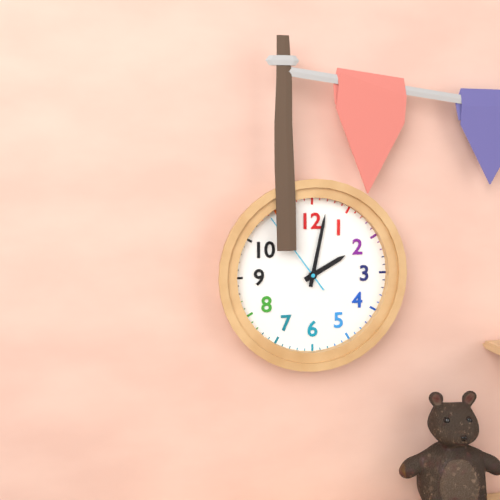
2:02
